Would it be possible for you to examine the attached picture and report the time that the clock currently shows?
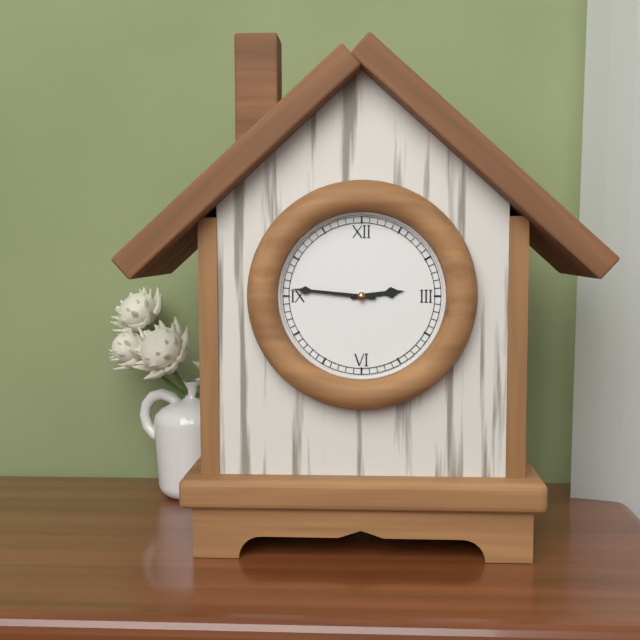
2:46
